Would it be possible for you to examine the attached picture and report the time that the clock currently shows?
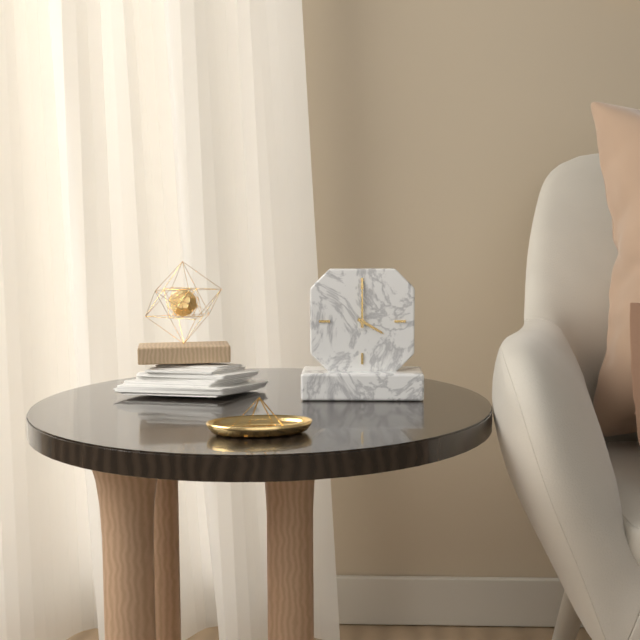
4:00
